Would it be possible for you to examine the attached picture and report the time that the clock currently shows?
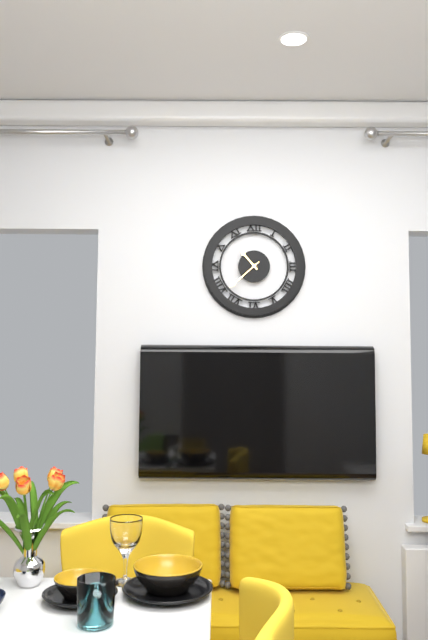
10:38
